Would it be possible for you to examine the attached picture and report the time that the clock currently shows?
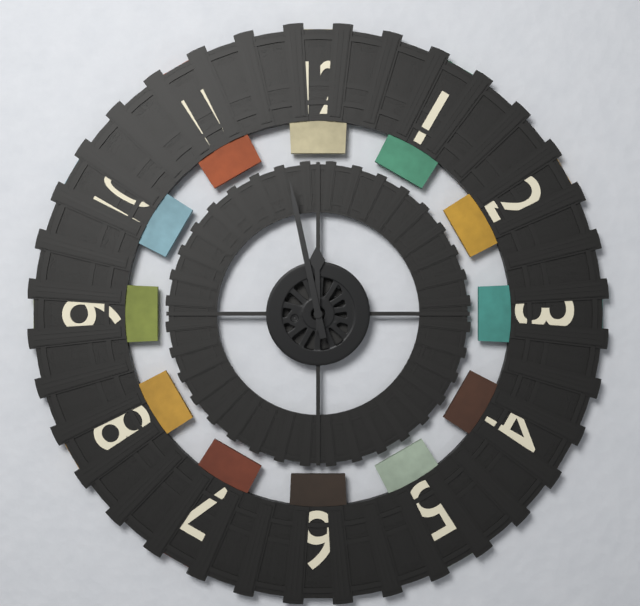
11:58
